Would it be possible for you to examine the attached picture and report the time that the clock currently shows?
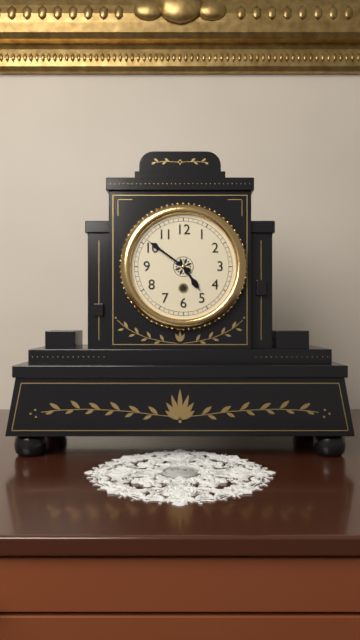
4:51
